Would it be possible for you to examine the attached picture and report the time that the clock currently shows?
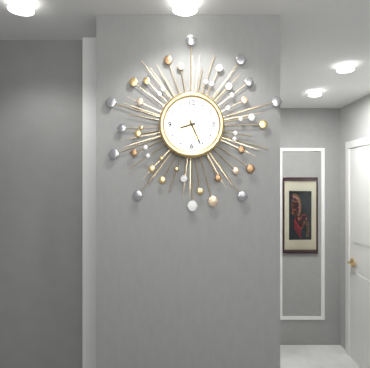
8:26
